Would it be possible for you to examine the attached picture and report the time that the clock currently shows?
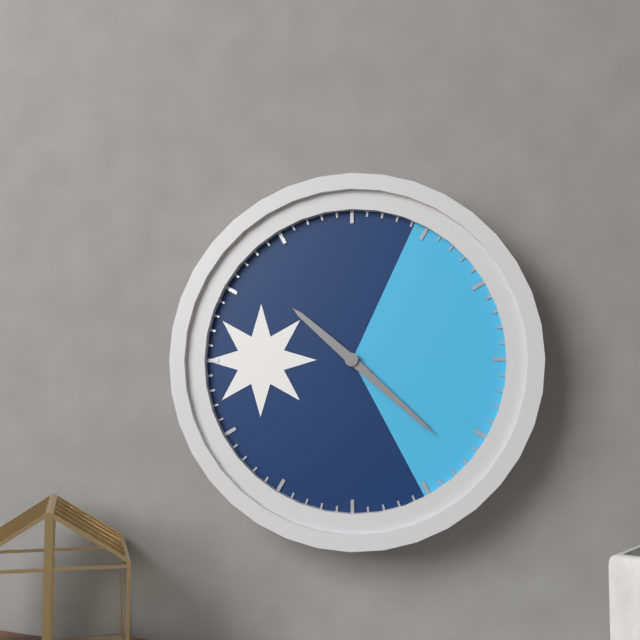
10:22
